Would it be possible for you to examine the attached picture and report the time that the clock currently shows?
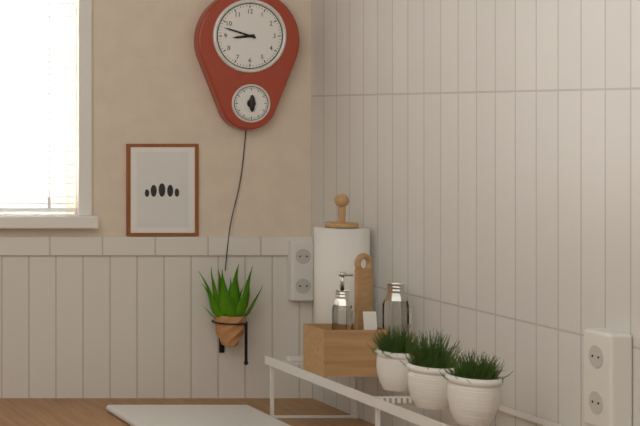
8:48
